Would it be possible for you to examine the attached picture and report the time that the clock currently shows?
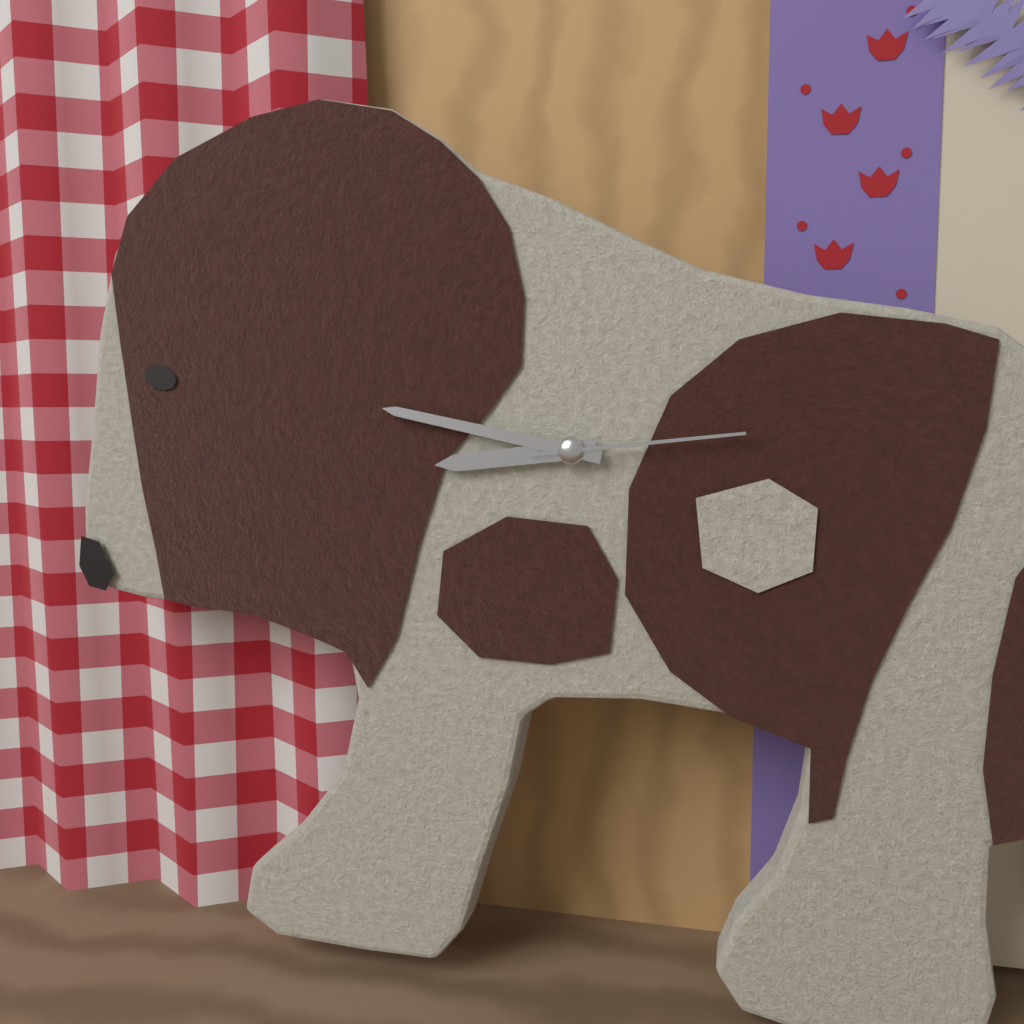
8:47:14
